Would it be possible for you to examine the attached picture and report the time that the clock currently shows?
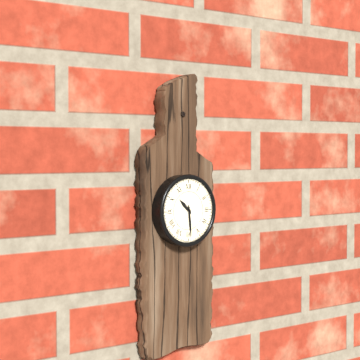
10:29
